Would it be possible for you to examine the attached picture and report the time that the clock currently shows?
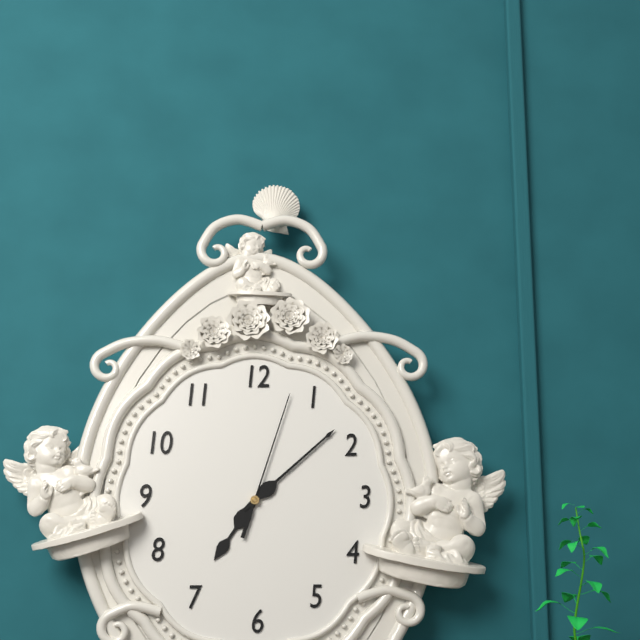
7:08:03
